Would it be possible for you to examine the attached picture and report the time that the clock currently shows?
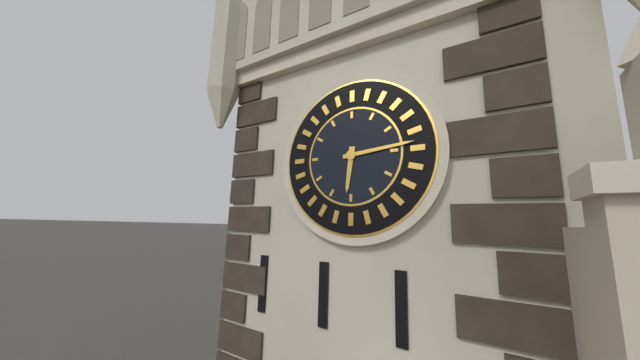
6:14
